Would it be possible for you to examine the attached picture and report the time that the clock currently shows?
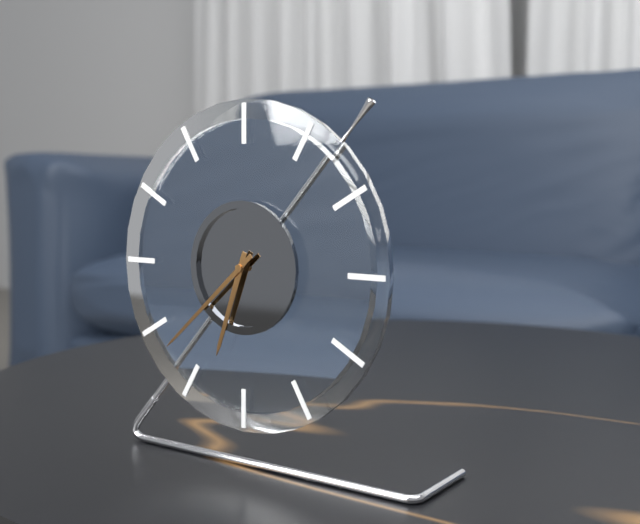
6:38
